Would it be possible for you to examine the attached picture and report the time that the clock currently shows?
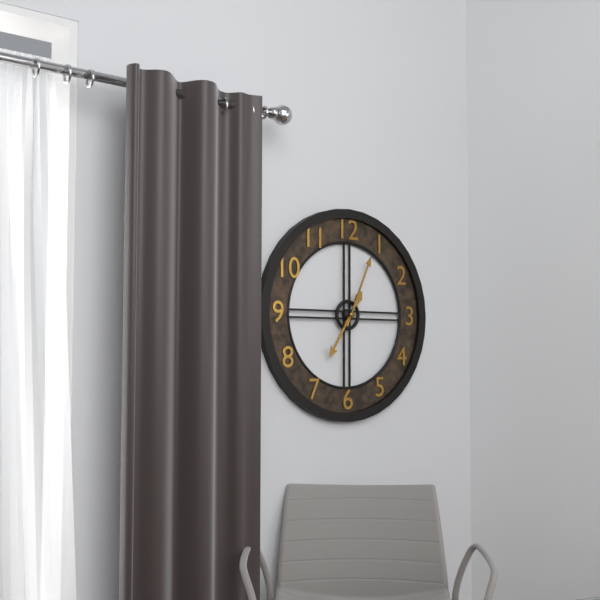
7:04
